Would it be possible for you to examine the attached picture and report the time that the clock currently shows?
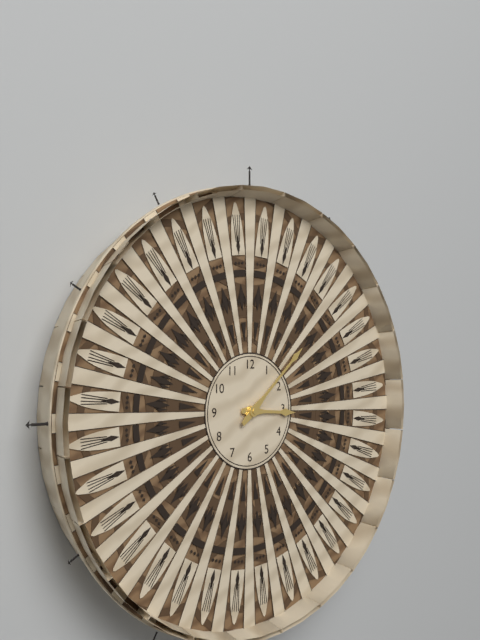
3:08
